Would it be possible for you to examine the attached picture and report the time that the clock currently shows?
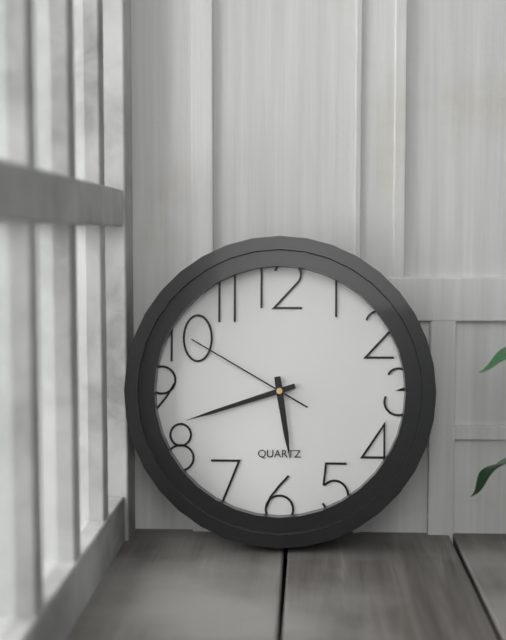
5:42:50
